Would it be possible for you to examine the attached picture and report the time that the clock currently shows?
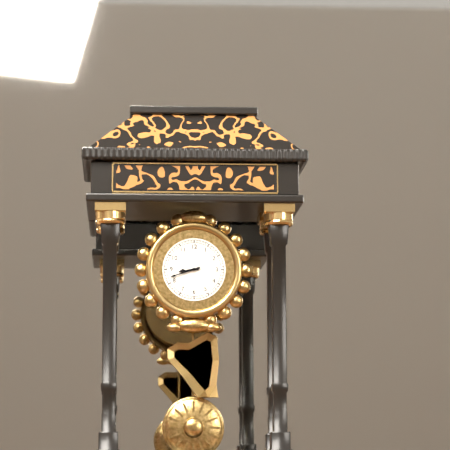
8:42
